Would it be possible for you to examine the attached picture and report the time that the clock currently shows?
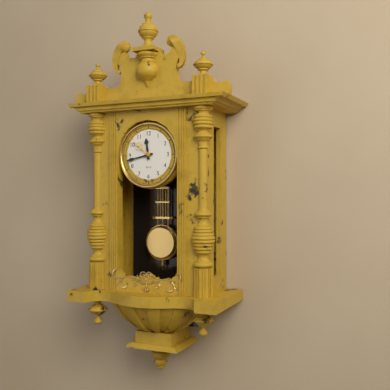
11:43
